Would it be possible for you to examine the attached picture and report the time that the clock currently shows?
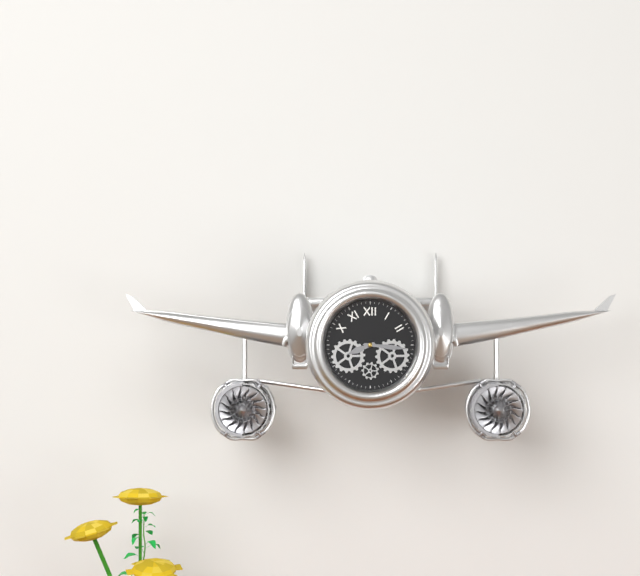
8:16
